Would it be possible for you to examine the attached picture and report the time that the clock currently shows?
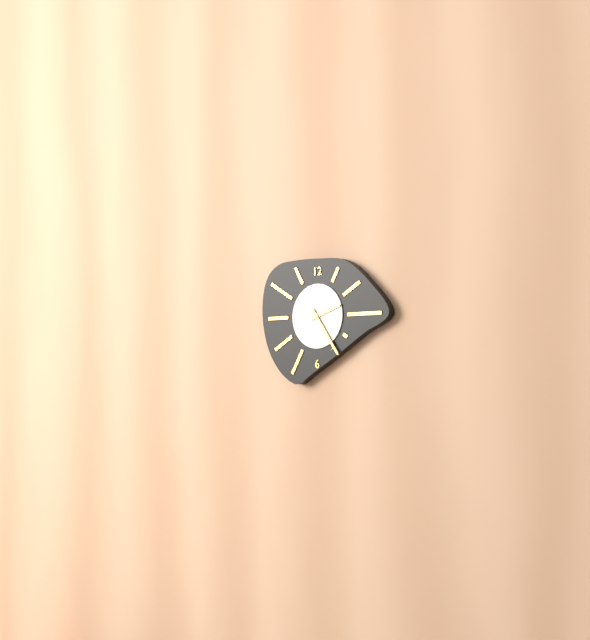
2:24
